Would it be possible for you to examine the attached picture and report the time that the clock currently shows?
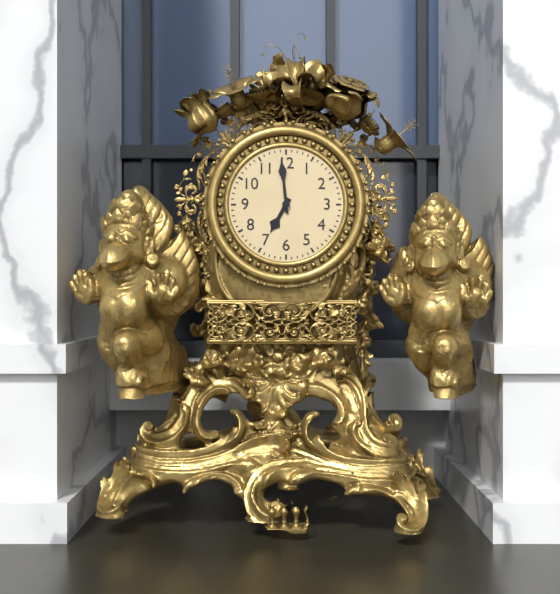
6:59
